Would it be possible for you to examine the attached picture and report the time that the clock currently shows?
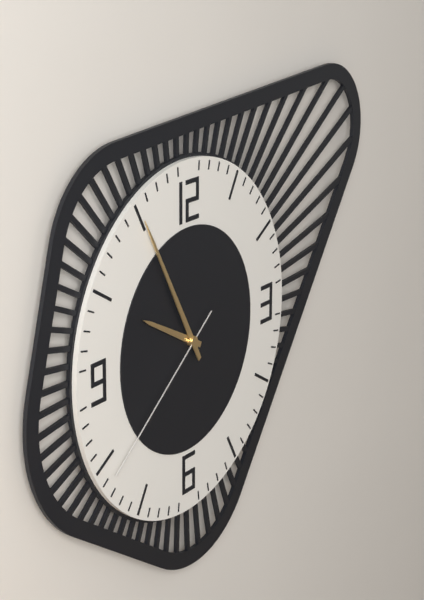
9:55:39
